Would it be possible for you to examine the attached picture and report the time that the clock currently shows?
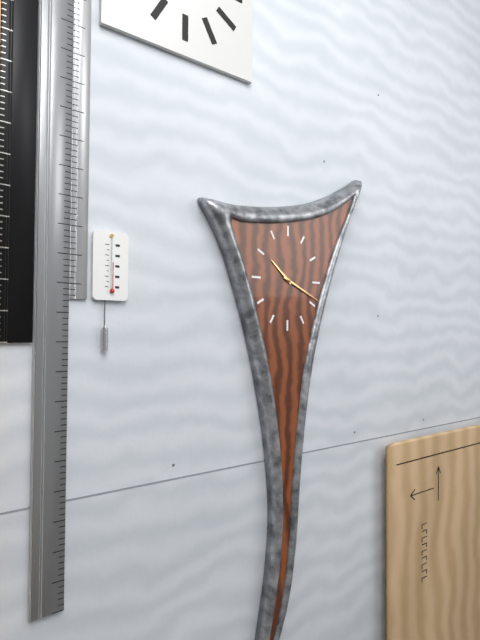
10:19
